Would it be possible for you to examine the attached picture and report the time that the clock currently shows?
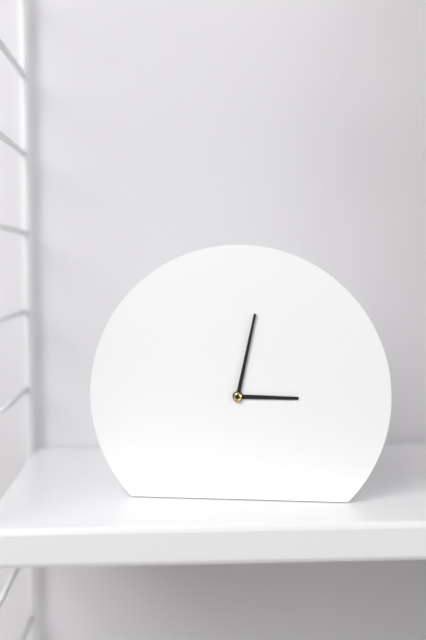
3:02
